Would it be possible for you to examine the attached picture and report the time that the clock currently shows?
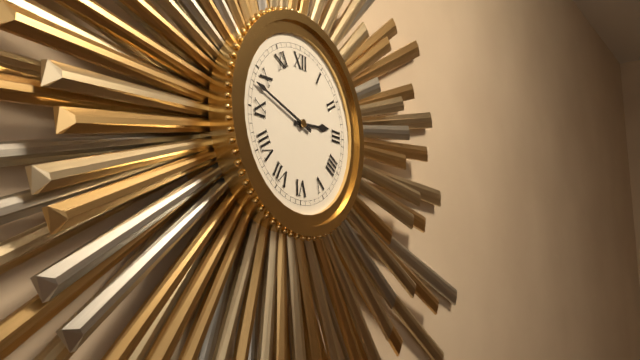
2:48
